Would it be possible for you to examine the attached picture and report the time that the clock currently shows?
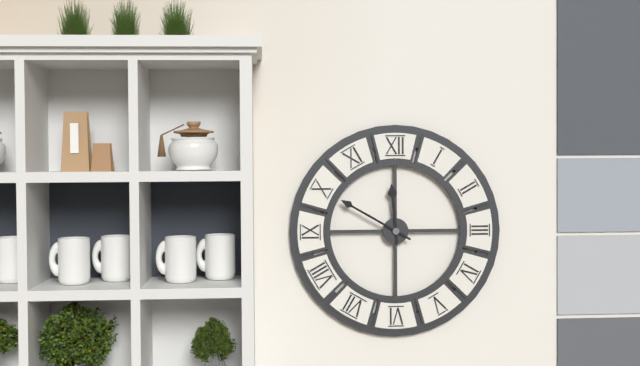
11:50
